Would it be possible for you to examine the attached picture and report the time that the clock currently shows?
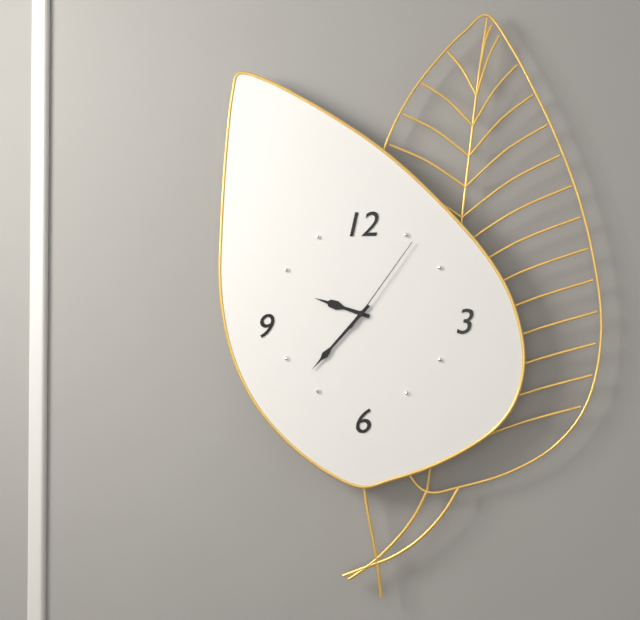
9:37:06
